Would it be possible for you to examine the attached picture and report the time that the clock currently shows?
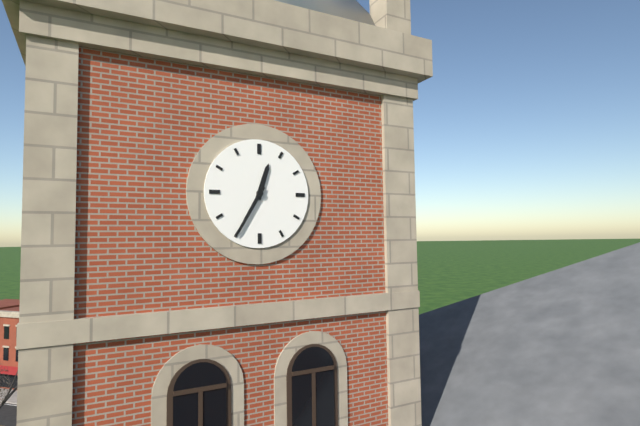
12:35
